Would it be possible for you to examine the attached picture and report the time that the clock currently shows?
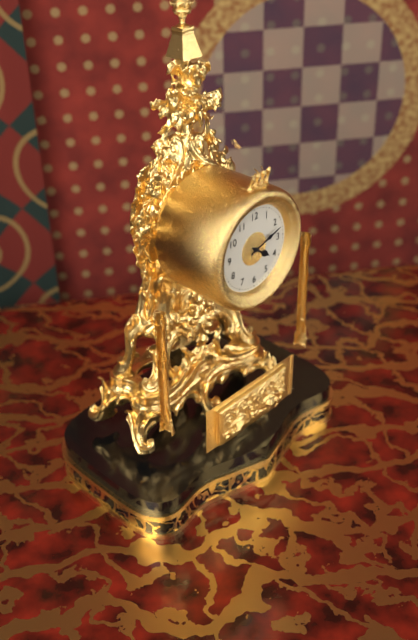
4:12
